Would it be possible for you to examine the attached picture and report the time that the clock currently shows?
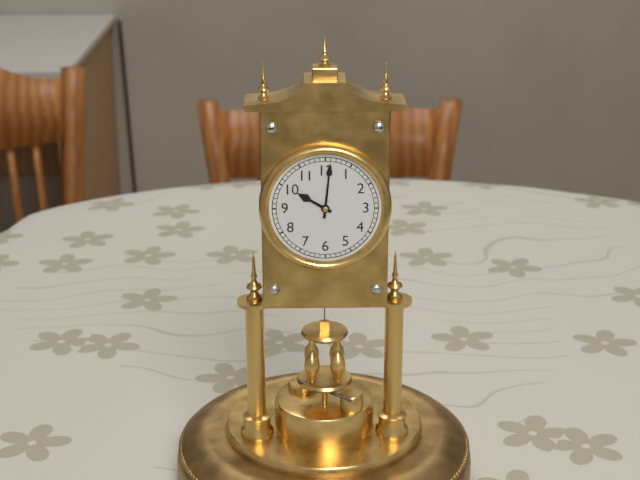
10:01
